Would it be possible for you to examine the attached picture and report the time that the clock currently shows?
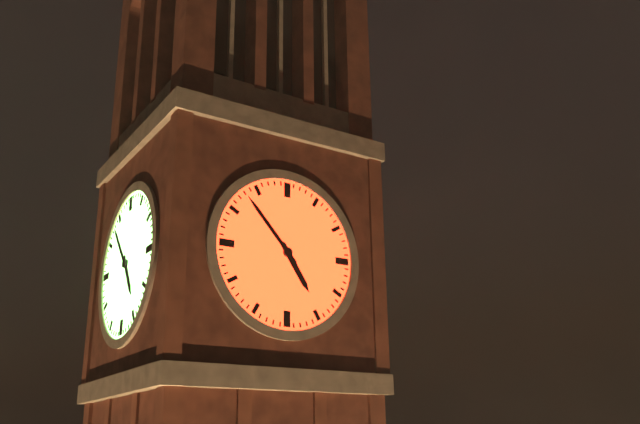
4:53
